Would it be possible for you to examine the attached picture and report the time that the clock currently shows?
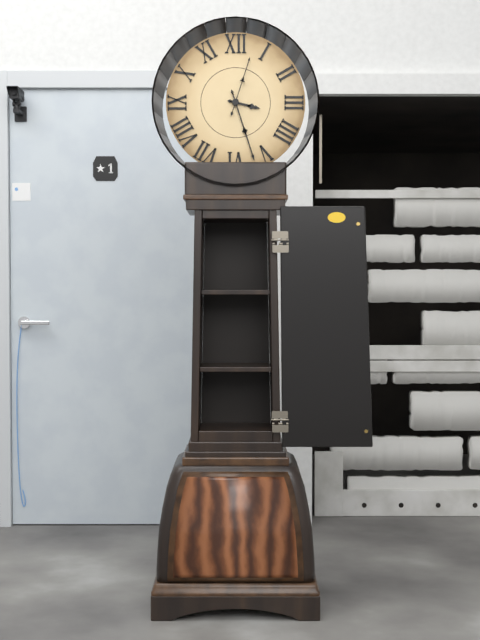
3:27:03
